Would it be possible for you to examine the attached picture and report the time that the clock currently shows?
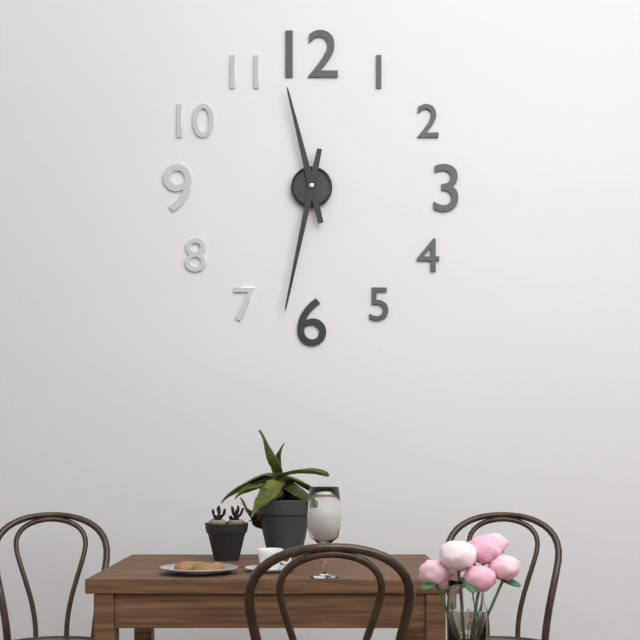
11:32
